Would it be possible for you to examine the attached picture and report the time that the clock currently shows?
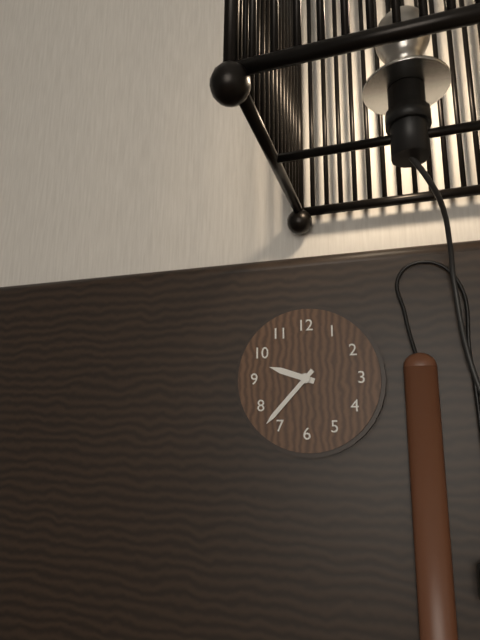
9:37
